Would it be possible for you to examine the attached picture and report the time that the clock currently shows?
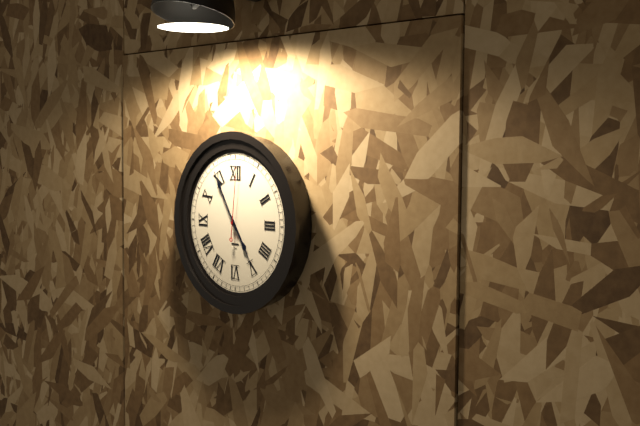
4:55:01
